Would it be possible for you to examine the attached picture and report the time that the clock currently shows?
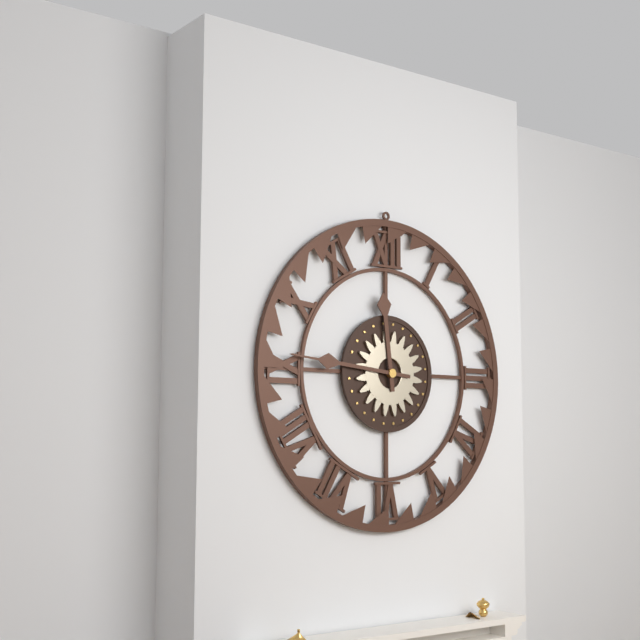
11:46
